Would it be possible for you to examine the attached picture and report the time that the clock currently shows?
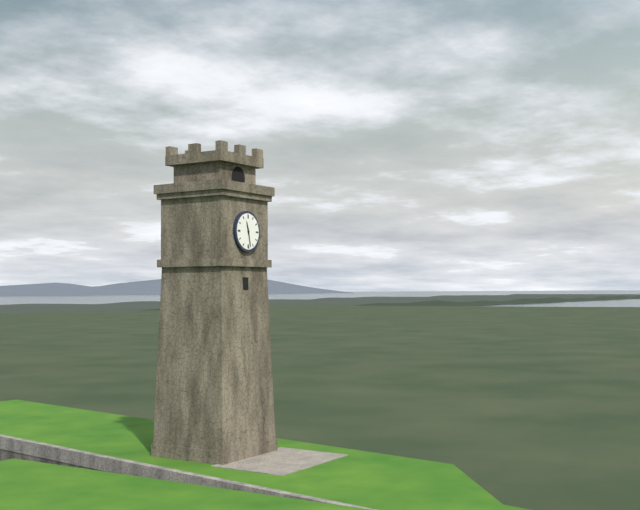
11:28
